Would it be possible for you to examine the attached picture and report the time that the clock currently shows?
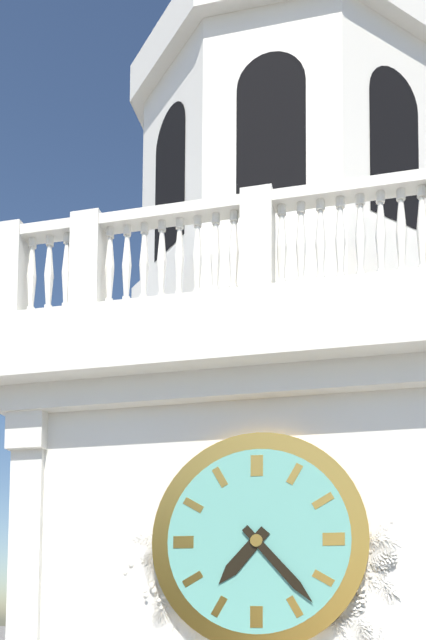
7:23
